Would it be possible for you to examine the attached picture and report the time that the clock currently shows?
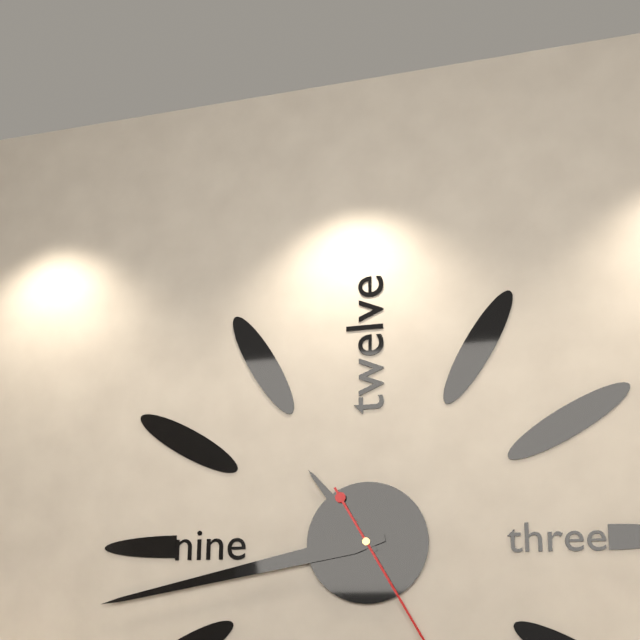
10:43
